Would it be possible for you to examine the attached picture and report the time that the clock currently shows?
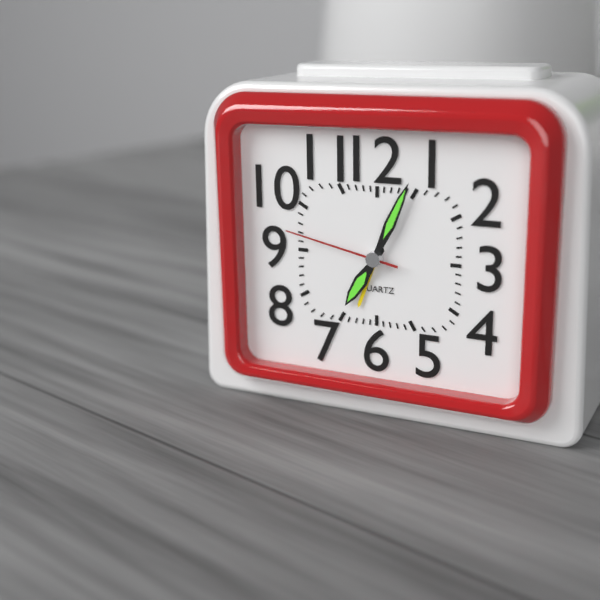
7:04:47
